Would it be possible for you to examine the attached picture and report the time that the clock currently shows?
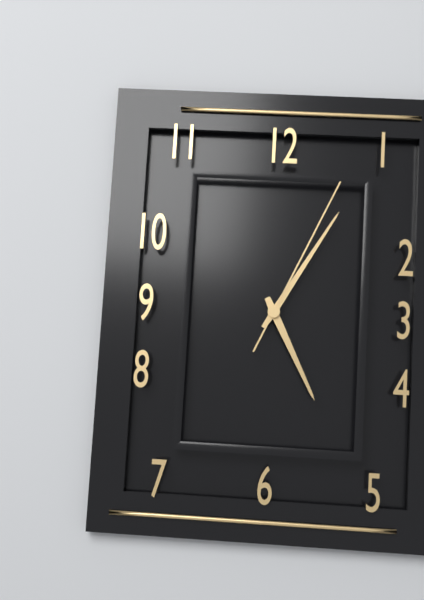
5:05:04
